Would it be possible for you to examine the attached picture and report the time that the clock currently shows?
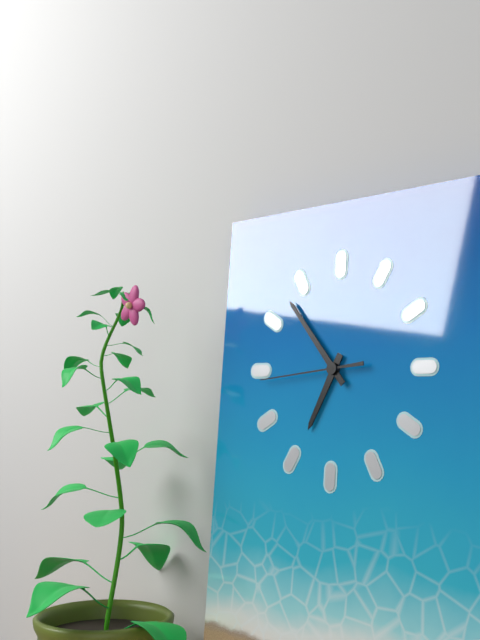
6:53:44
